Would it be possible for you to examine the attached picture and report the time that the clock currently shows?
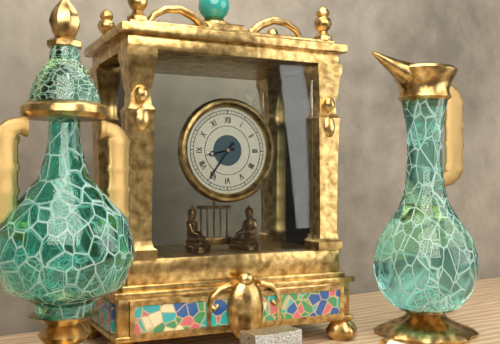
8:36
